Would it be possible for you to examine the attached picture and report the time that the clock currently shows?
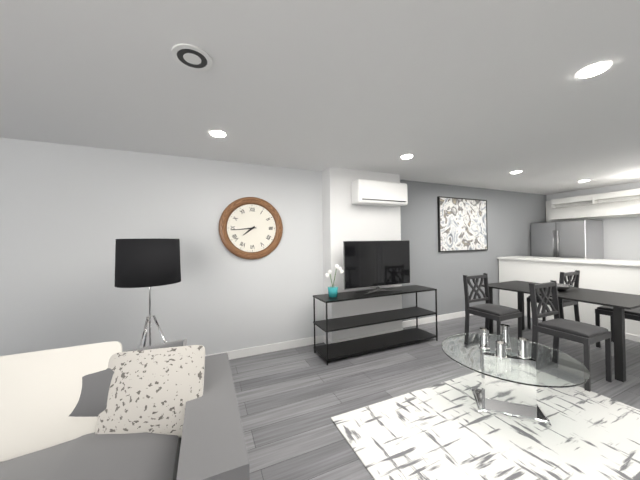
7:44
